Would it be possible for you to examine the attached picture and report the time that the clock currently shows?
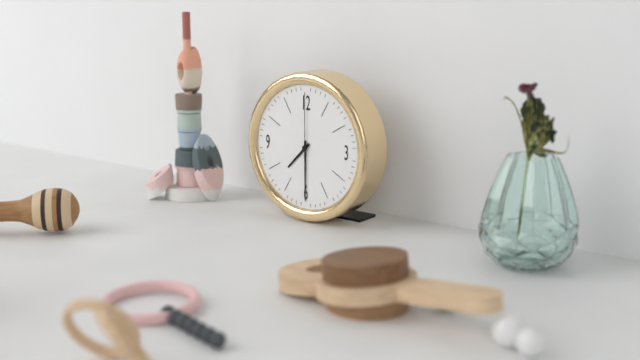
7:30:00
